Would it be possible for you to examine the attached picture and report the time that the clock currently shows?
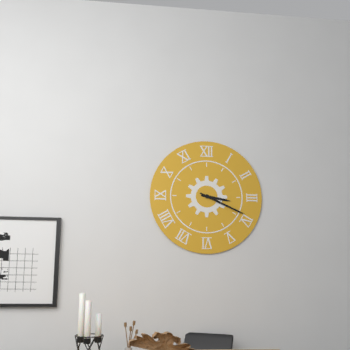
3:19
